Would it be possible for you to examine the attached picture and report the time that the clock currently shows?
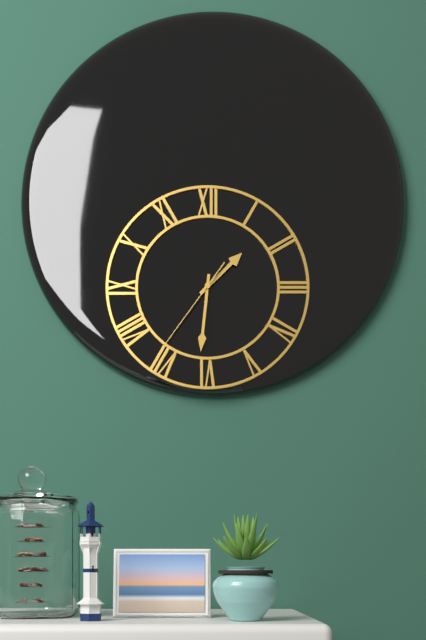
1:31:36
